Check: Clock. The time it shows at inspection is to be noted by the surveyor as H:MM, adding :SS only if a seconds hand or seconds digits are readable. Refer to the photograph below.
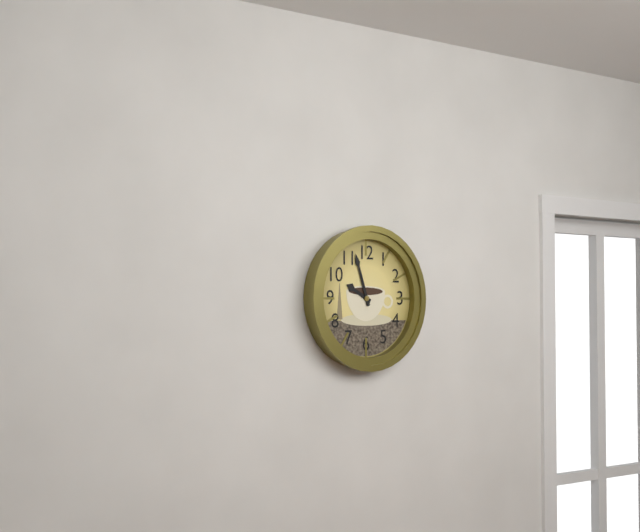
9:57
